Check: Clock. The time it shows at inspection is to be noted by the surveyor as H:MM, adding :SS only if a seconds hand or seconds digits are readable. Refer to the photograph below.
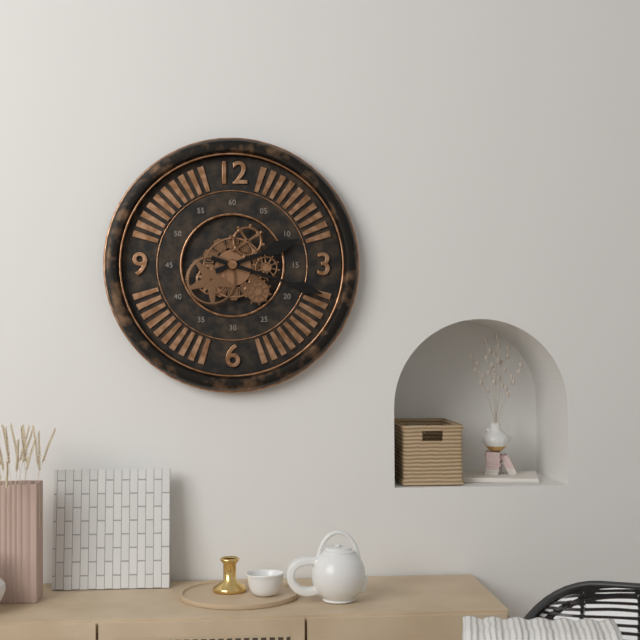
2:18
